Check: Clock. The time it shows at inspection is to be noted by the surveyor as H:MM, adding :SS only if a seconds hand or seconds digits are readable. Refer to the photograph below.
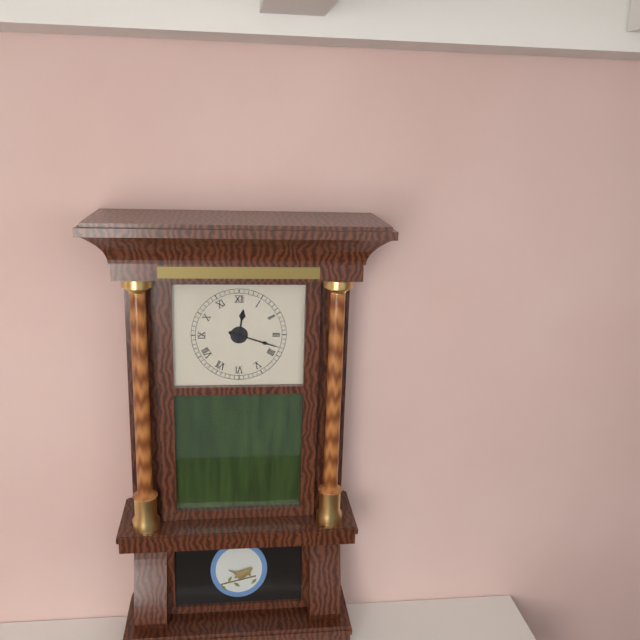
12:18
